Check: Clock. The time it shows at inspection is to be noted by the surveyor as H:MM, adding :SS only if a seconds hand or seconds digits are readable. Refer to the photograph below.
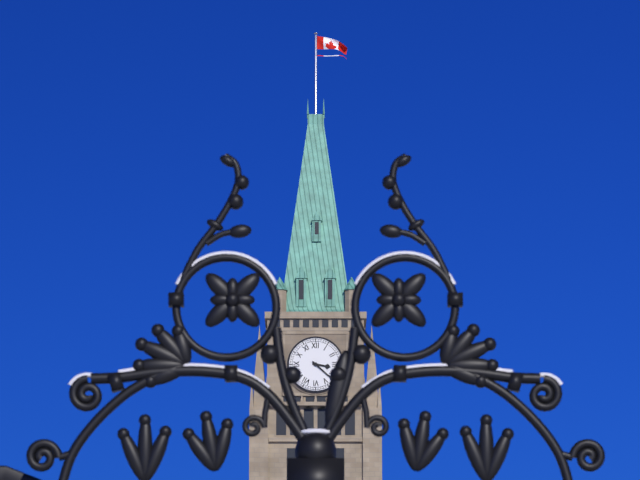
3:22
